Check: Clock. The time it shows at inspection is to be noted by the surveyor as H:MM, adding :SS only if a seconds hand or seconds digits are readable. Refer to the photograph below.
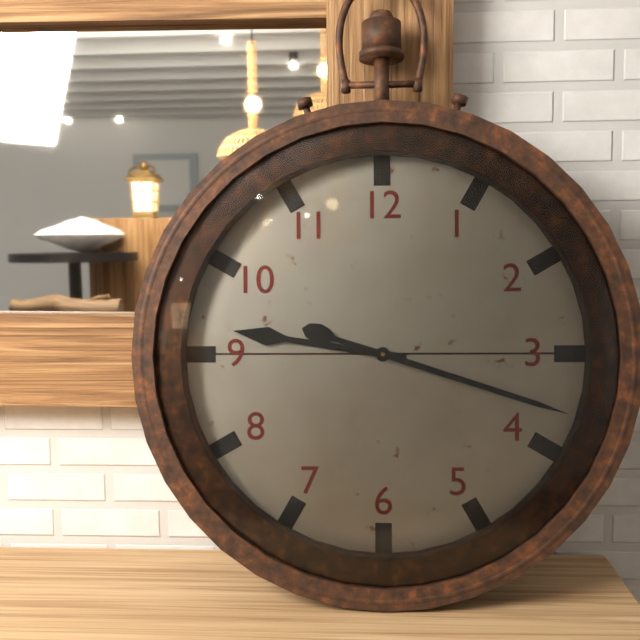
9:18
